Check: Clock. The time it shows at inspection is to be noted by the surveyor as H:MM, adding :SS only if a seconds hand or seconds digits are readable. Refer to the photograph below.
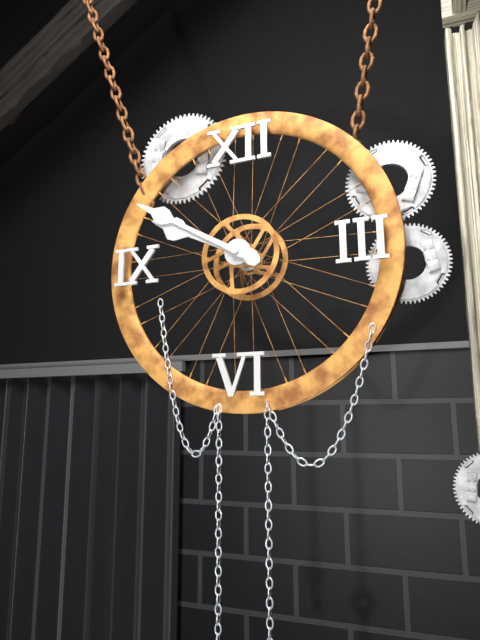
9:50
